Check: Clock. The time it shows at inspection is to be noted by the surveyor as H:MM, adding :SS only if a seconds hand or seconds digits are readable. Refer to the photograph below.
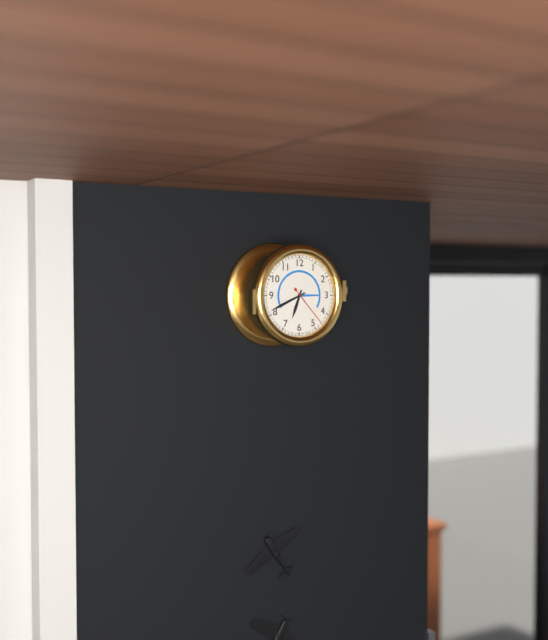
6:41
